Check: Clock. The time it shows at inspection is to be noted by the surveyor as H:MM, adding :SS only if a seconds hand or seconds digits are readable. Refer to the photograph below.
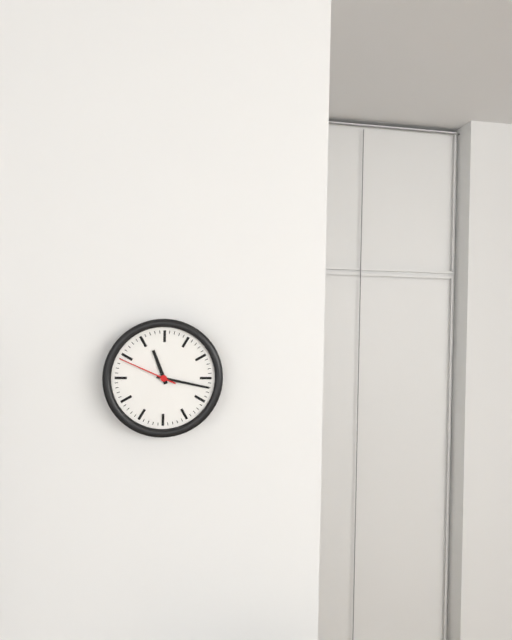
11:17:49
